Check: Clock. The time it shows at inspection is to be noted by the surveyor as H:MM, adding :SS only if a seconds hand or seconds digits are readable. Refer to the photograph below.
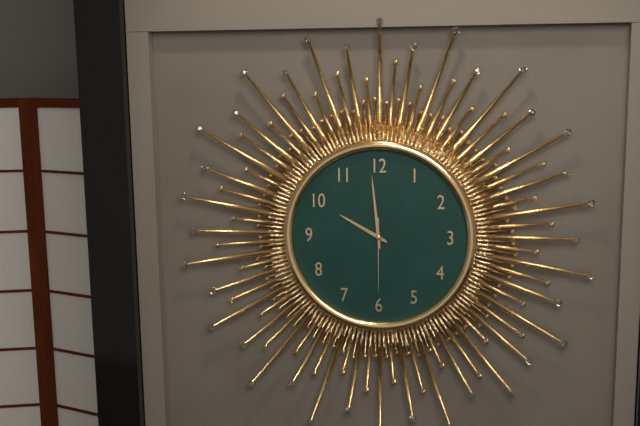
9:59:30
